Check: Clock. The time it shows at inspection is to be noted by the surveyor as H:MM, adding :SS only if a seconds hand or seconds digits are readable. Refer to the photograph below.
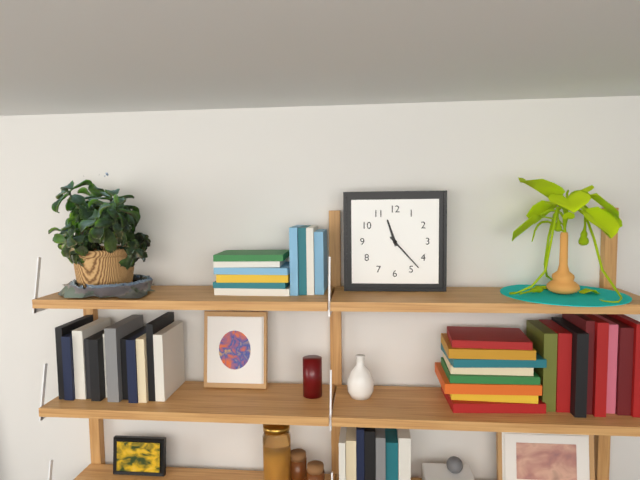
11:23
